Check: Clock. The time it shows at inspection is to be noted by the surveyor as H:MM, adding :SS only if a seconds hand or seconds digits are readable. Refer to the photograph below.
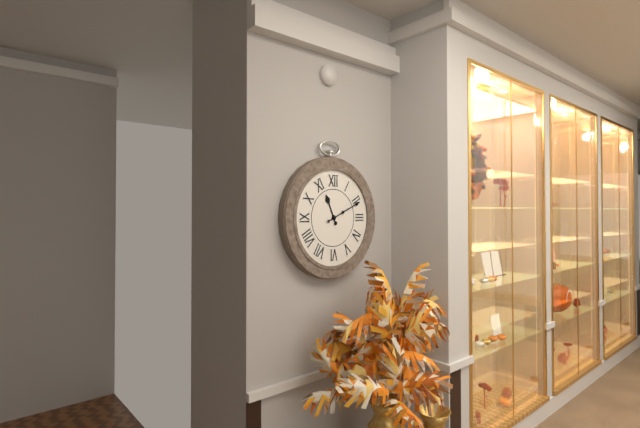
11:11
